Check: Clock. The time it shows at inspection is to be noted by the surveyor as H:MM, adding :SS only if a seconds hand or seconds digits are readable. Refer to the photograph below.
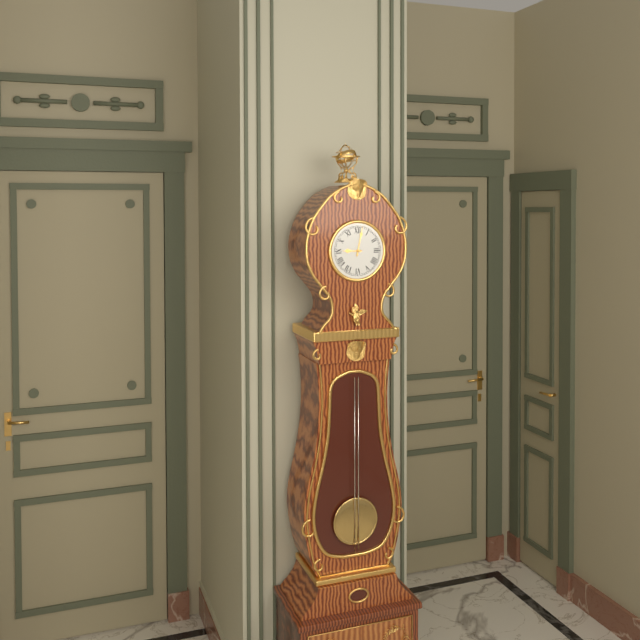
9:02
